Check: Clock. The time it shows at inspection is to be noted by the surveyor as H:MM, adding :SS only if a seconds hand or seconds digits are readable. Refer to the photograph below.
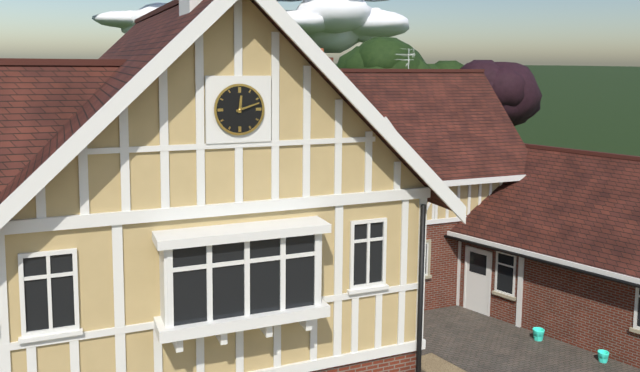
12:12
